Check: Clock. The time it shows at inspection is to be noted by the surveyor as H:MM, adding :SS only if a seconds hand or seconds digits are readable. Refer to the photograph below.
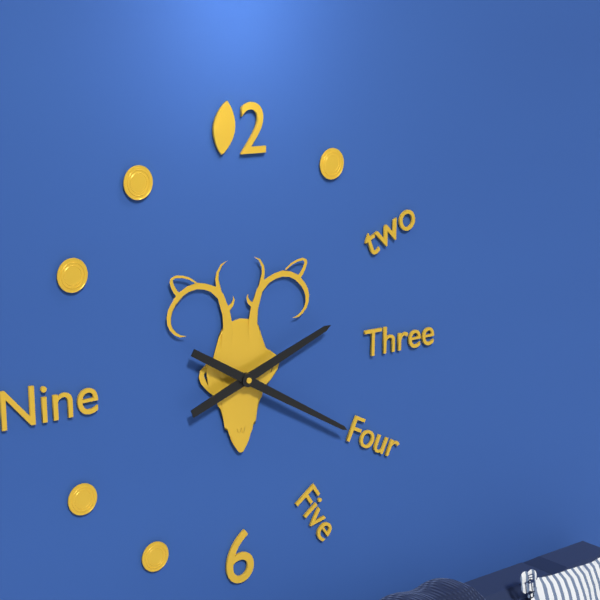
2:20
